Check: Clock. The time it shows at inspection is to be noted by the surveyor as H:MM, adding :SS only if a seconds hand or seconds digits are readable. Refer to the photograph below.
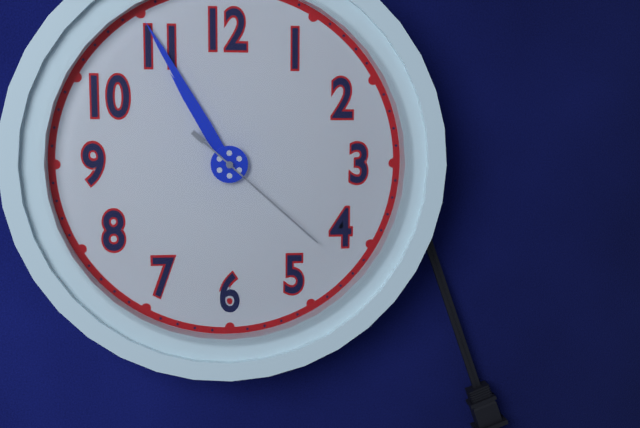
10:55:22
